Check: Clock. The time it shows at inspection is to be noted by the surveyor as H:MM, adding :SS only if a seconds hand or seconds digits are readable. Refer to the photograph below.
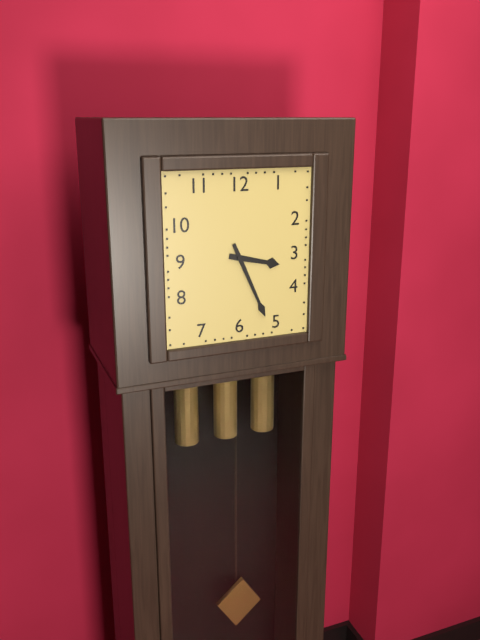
3:26
